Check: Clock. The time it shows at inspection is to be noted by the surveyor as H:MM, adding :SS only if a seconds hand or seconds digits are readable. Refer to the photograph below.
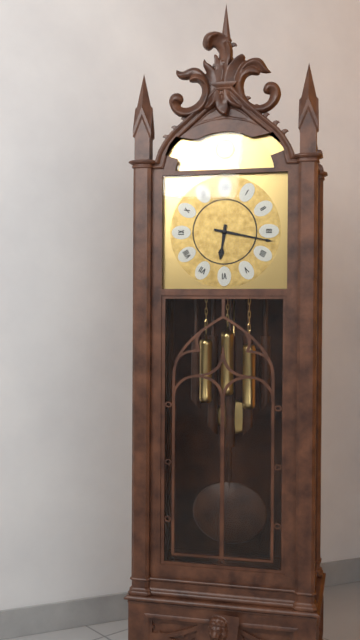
6:17
